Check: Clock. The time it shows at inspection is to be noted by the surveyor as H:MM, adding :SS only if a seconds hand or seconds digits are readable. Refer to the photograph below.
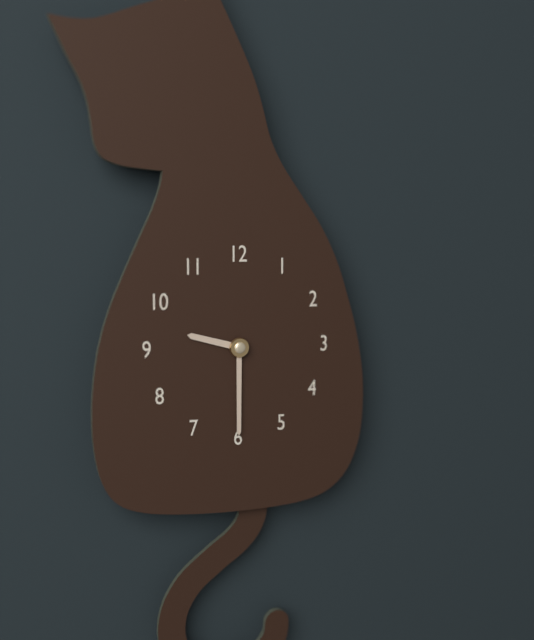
9:30
